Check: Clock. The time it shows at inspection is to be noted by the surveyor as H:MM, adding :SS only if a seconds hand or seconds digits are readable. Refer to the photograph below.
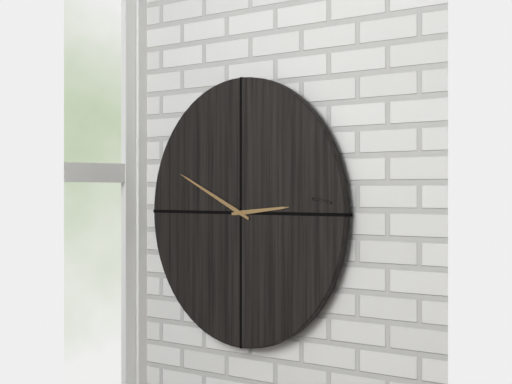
2:49
